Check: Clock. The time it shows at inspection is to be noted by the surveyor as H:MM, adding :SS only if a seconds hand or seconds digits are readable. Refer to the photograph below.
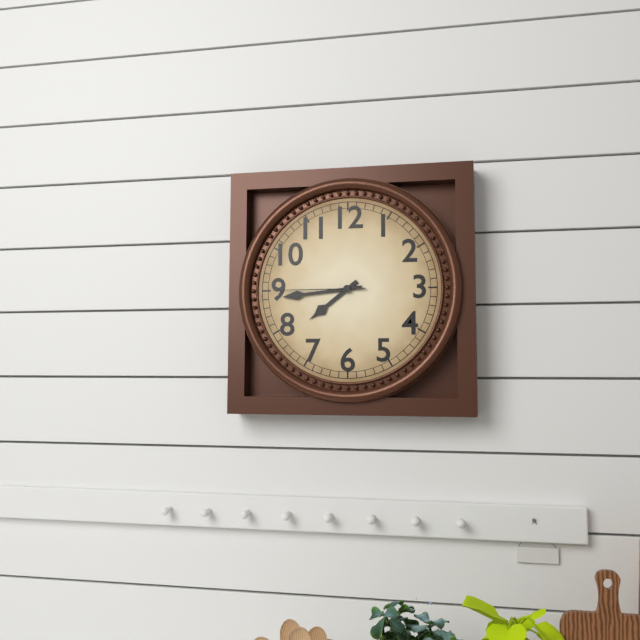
7:44:45
